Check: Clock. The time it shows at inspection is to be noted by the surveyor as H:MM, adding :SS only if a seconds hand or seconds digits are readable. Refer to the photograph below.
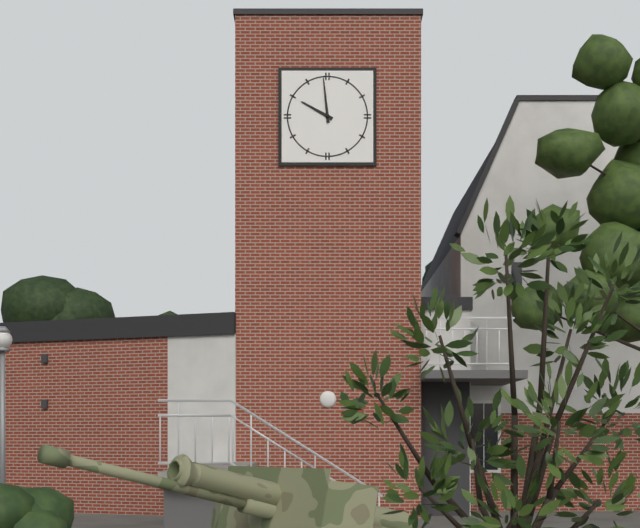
9:59
